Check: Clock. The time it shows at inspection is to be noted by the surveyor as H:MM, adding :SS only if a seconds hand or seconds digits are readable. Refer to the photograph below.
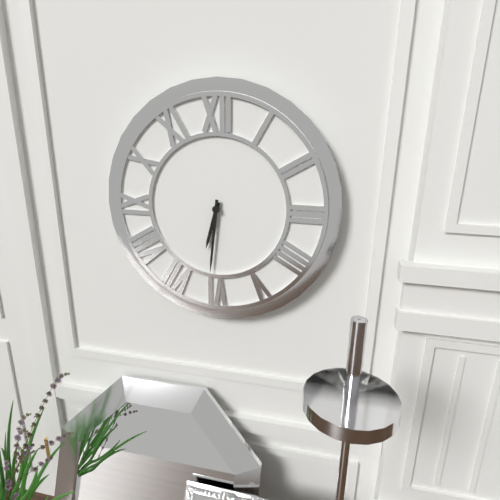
6:31
